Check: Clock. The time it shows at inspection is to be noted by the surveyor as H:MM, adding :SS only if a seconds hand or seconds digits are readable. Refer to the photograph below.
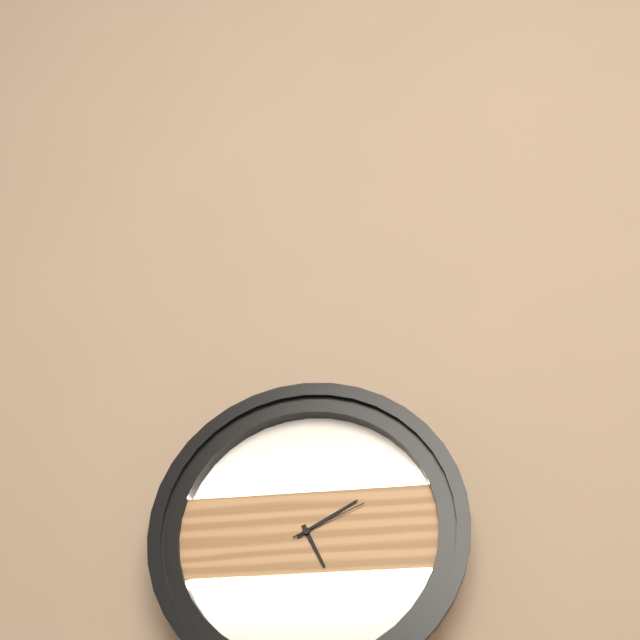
5:10:11
